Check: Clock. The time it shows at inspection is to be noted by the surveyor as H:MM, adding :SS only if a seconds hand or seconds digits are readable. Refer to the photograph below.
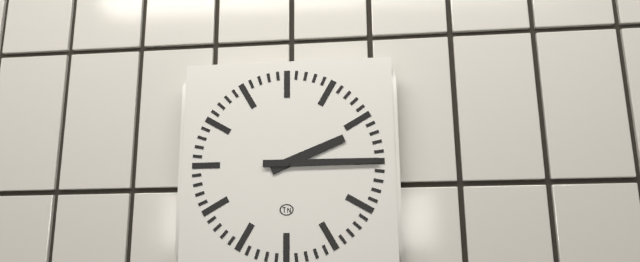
2:15
